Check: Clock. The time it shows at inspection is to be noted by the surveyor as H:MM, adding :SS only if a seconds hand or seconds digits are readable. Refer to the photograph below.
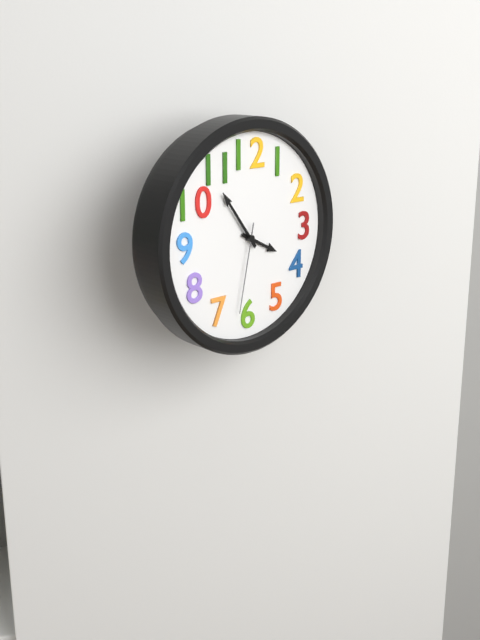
3:54:32
